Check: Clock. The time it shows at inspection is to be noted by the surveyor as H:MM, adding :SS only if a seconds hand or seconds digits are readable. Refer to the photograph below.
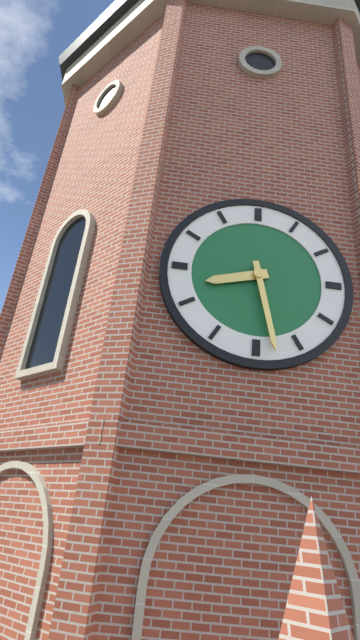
8:28
